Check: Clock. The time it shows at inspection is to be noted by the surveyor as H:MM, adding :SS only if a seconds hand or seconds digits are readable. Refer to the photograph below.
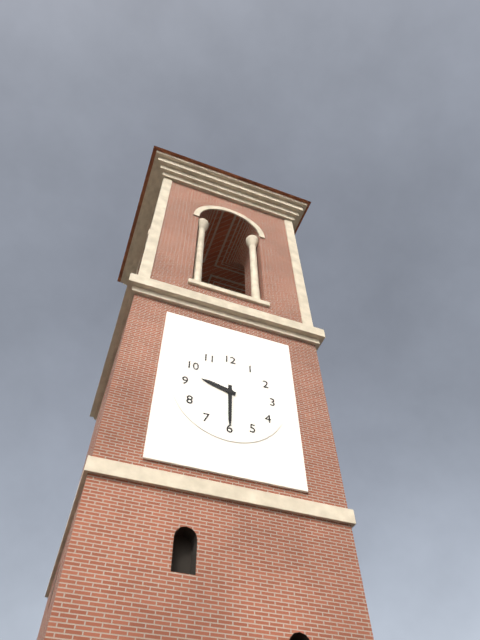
9:30
